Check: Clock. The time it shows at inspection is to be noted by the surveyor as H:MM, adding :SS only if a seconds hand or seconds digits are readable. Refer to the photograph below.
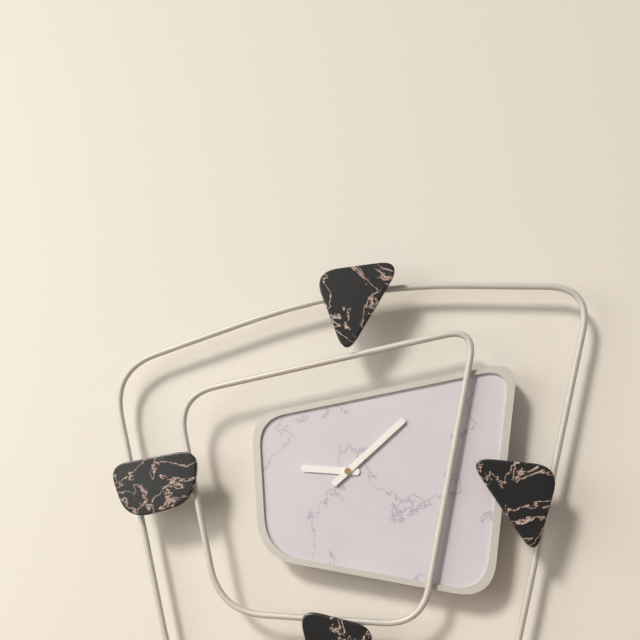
9:08
